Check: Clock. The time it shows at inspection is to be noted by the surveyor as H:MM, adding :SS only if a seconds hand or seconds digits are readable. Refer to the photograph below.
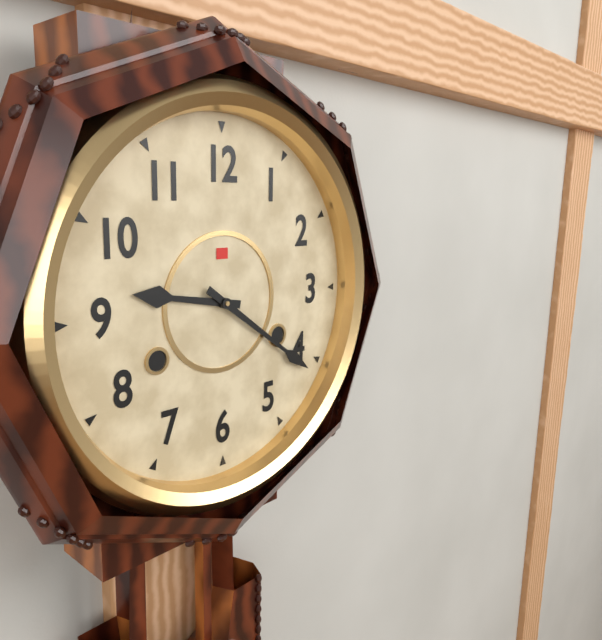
9:21
